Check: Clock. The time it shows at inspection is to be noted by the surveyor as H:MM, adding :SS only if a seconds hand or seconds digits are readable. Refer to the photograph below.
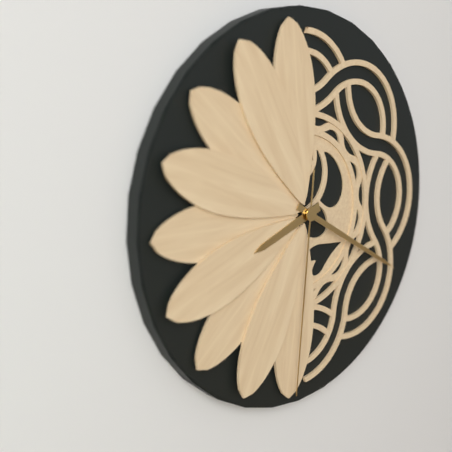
8:20:31
